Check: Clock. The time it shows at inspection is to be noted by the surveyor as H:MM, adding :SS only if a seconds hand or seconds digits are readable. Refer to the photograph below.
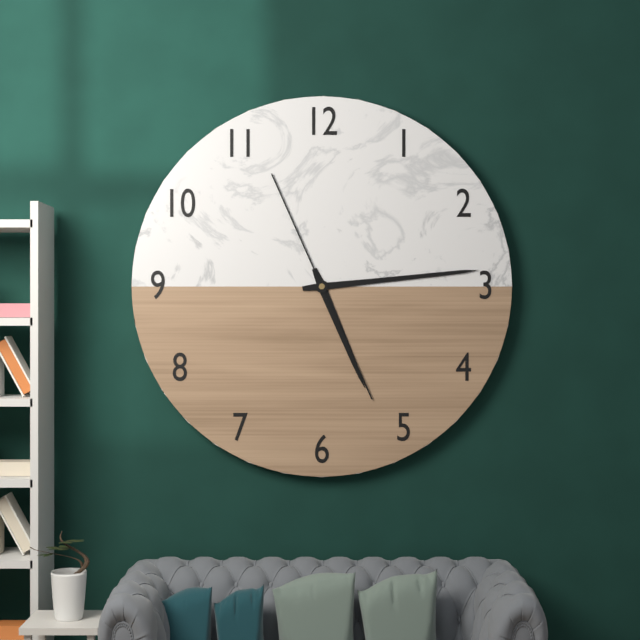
5:14
